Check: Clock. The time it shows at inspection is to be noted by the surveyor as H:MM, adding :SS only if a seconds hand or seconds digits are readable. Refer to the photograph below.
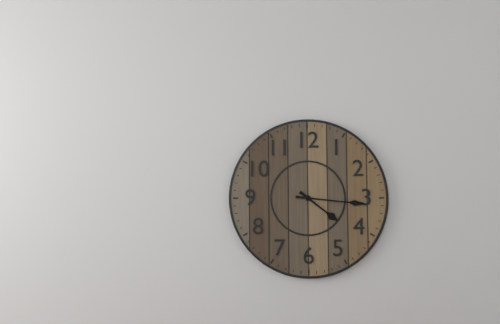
4:16
